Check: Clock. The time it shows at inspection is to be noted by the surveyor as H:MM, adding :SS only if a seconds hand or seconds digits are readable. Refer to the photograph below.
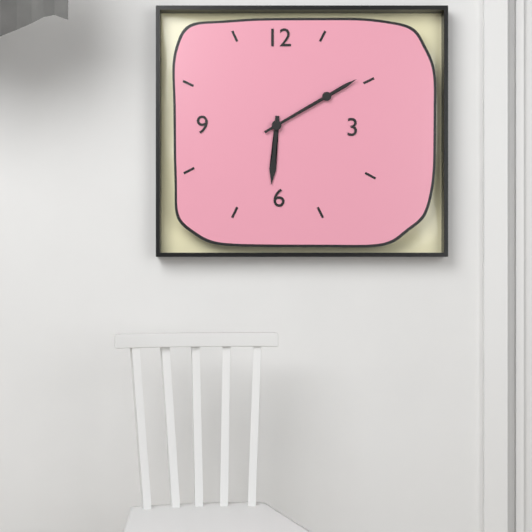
6:10
